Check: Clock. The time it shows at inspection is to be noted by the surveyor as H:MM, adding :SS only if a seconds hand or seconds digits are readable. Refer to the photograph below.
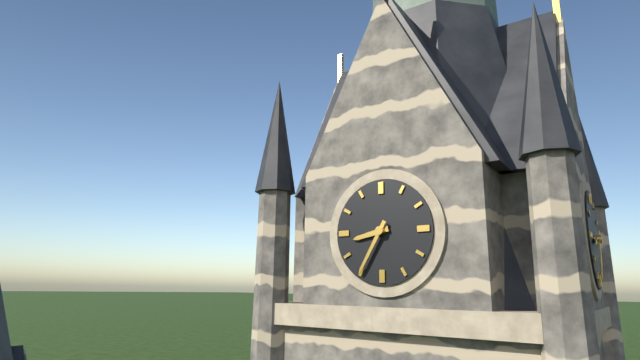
8:35
